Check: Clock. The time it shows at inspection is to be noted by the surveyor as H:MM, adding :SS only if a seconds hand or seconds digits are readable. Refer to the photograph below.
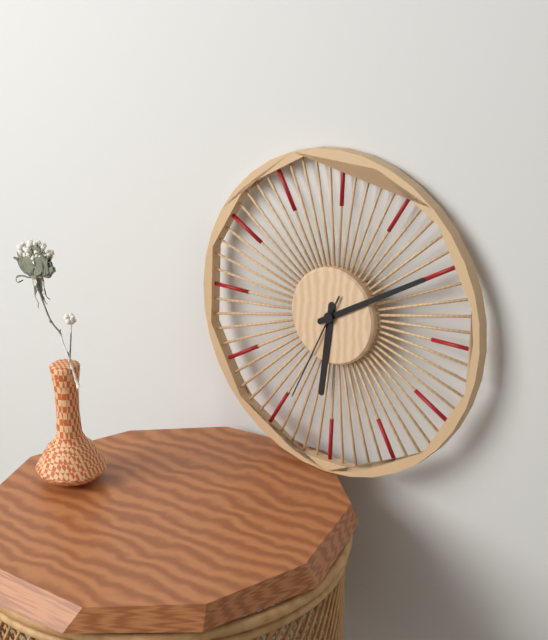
6:10:34
